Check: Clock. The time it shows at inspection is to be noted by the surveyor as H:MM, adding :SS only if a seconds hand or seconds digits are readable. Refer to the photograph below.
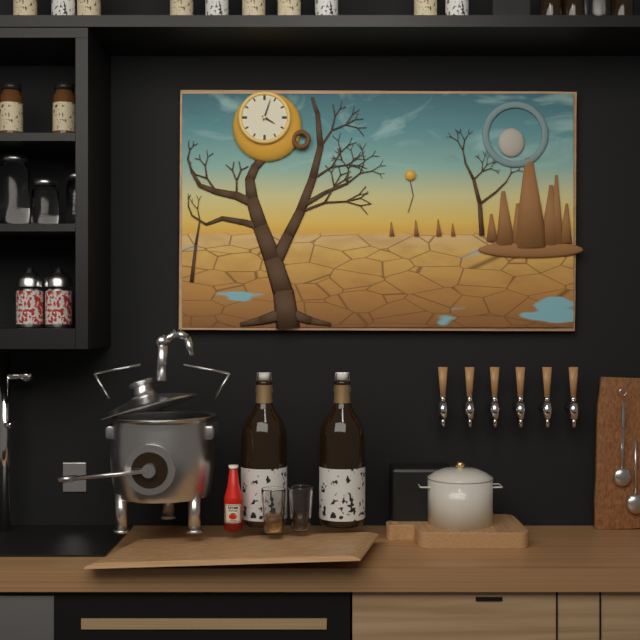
4:03
